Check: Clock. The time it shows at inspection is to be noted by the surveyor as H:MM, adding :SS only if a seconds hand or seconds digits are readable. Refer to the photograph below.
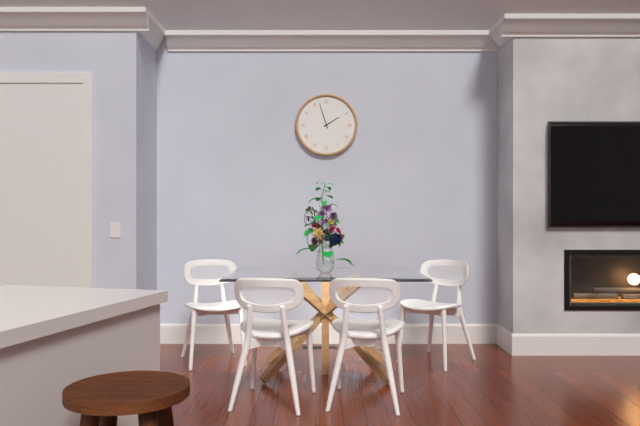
1:57
